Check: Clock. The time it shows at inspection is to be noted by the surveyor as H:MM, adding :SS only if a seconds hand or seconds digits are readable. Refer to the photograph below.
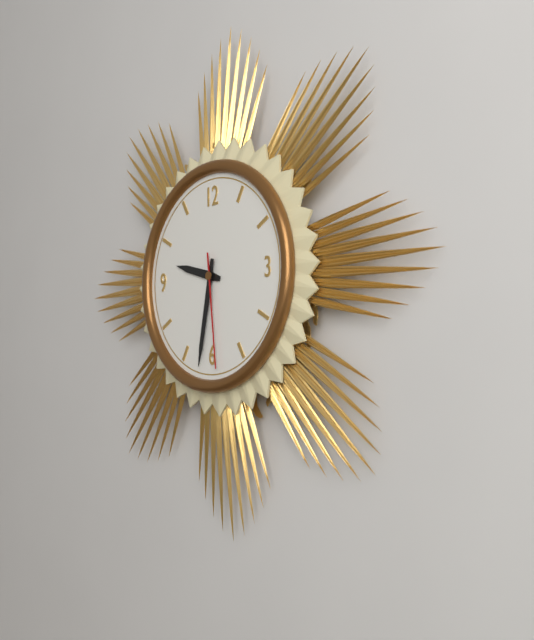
9:32:29
